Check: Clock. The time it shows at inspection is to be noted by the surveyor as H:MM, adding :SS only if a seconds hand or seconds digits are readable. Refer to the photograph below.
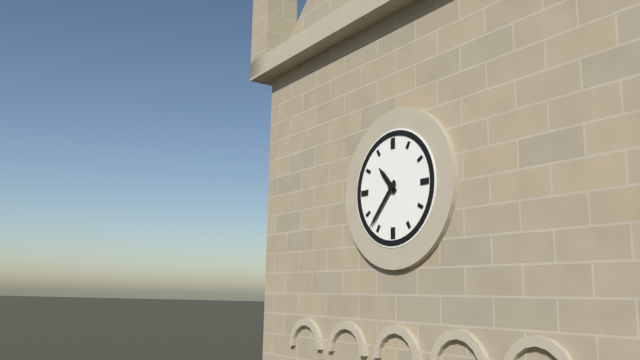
10:37
